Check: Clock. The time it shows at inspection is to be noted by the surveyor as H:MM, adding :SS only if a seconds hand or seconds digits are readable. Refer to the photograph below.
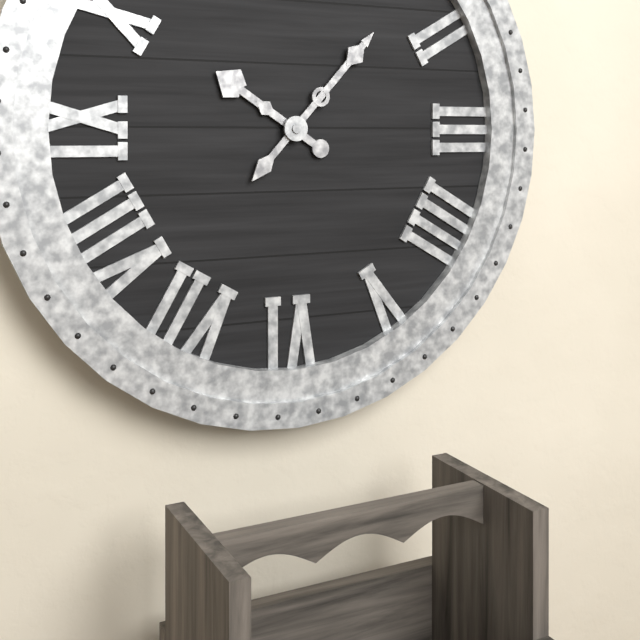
10:07
